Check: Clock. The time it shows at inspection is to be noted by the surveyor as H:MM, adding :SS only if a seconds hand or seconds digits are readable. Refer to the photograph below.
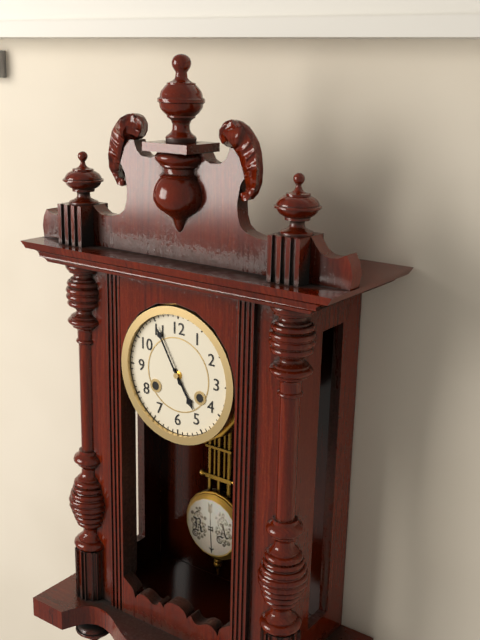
4:55
